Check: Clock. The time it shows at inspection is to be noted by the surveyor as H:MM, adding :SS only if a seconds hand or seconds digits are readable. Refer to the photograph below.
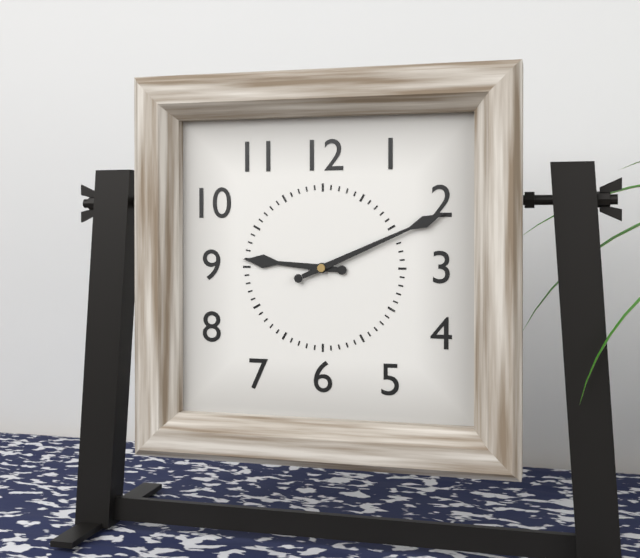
9:11
